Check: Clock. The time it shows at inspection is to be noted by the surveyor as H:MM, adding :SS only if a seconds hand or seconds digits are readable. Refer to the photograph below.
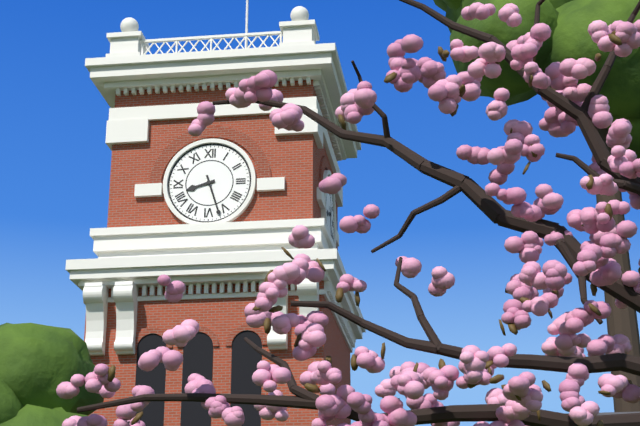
8:27
